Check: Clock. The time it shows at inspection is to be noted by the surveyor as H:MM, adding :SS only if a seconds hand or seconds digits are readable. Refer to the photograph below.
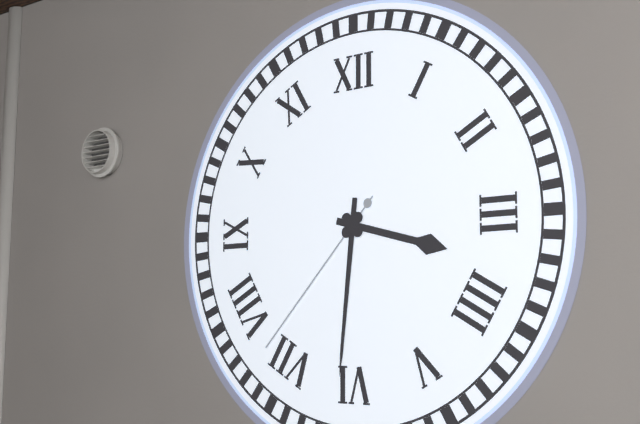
3:31:37
